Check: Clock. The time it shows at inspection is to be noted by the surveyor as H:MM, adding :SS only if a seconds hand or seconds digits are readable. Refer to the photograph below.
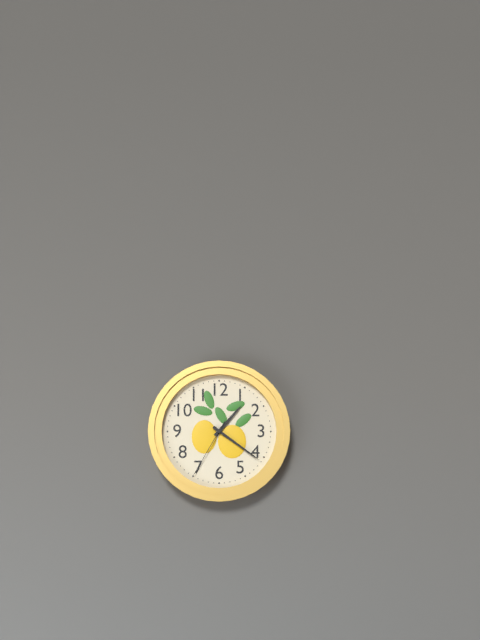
1:21:35
